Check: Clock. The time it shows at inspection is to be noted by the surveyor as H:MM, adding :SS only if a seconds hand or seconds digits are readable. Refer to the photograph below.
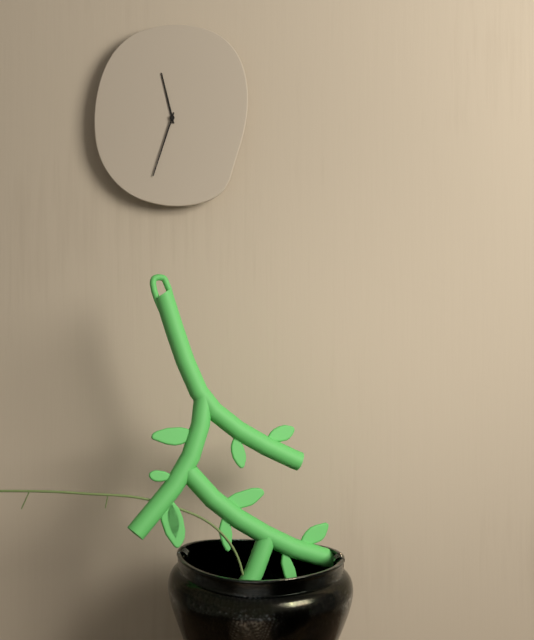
11:33
